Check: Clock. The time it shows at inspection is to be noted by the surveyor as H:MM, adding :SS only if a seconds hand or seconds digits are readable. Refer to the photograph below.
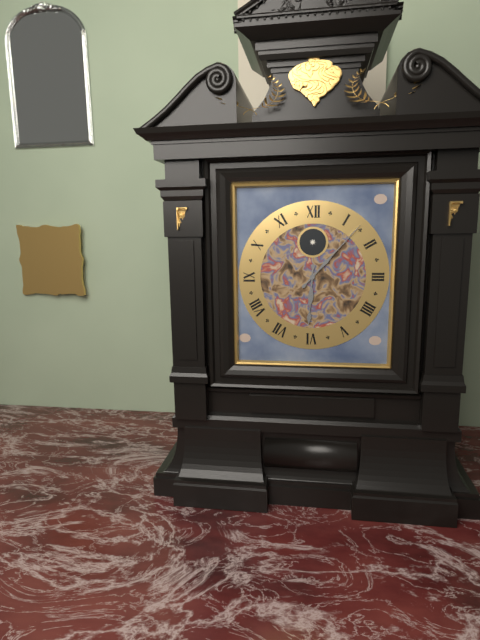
6:07
